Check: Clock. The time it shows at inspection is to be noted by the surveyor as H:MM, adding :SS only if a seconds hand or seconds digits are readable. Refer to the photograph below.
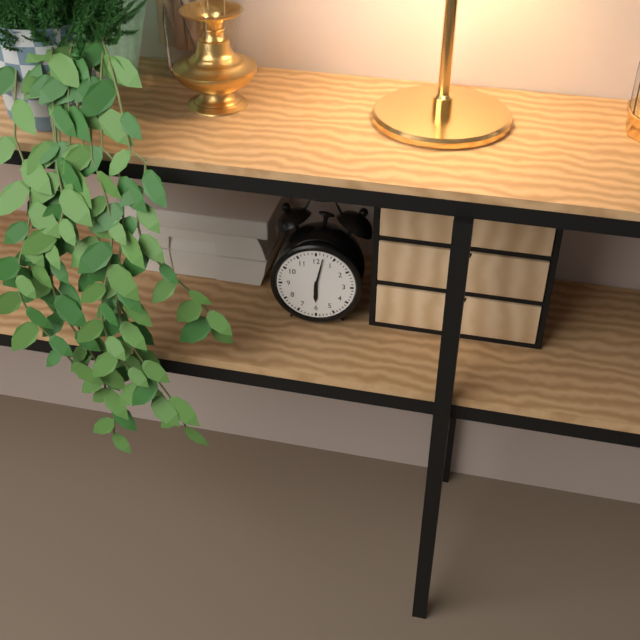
6:02
